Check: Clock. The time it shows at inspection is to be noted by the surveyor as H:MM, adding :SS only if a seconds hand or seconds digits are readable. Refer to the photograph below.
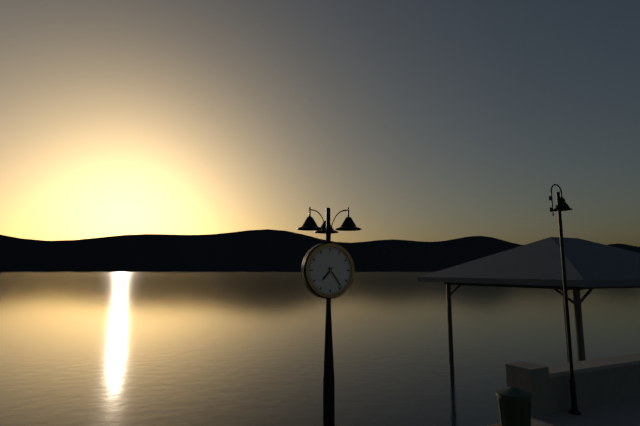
7:24
